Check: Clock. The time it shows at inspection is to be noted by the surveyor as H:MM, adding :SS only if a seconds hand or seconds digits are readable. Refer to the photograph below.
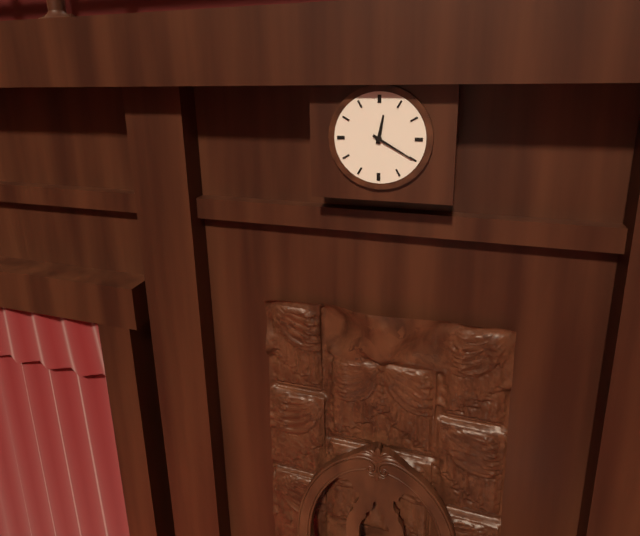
12:20
